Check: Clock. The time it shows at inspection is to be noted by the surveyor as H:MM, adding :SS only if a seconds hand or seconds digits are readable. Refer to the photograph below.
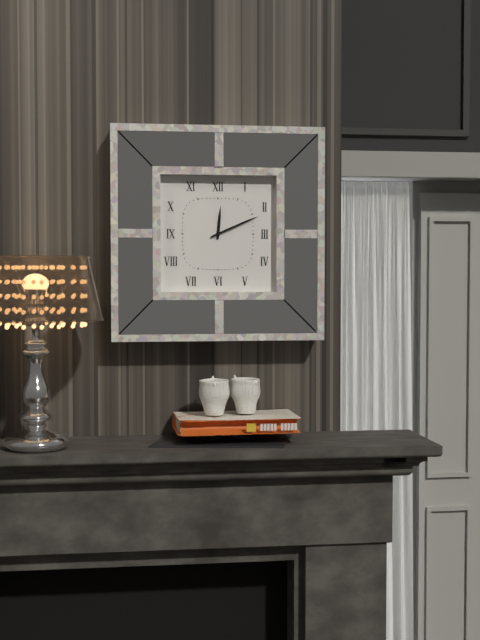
12:11
